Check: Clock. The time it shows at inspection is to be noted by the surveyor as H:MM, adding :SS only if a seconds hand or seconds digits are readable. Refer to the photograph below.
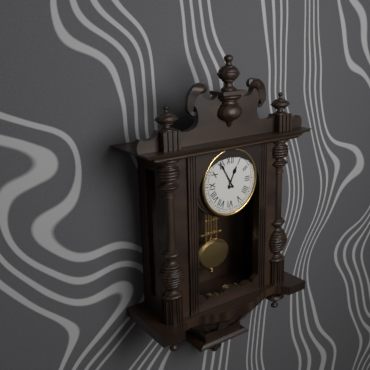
12:55
